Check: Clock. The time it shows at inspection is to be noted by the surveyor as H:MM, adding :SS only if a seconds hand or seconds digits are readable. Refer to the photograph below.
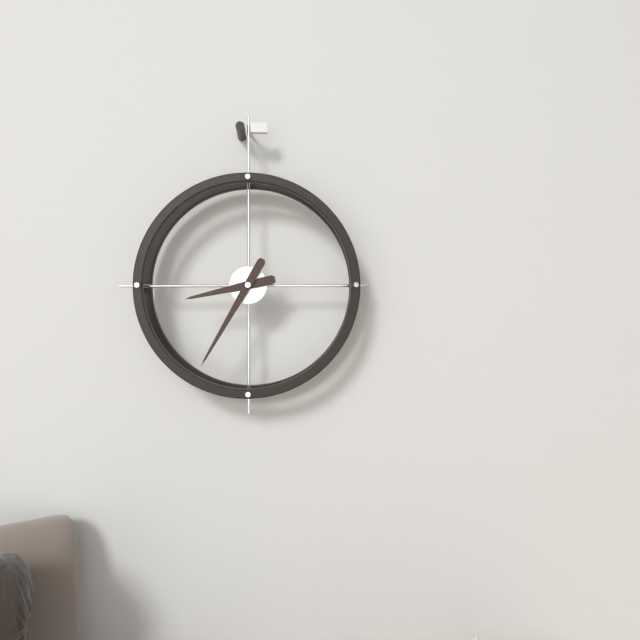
8:35
